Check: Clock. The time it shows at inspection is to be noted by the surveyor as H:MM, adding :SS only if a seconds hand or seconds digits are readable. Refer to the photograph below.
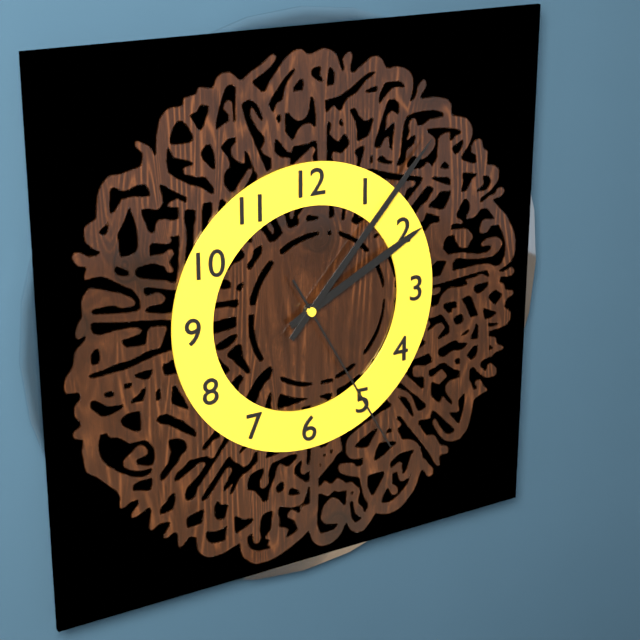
2:07:25
